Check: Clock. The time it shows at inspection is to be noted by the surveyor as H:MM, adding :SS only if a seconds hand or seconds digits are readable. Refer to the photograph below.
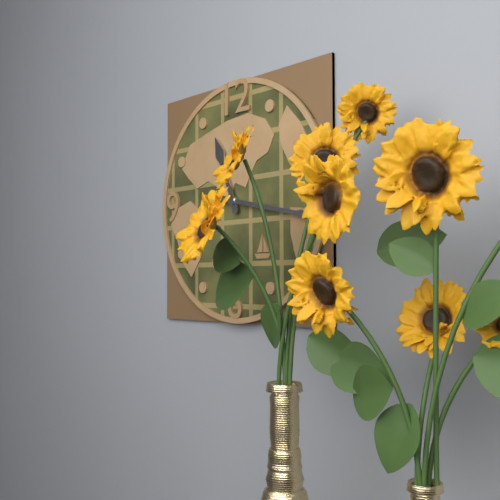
11:17
